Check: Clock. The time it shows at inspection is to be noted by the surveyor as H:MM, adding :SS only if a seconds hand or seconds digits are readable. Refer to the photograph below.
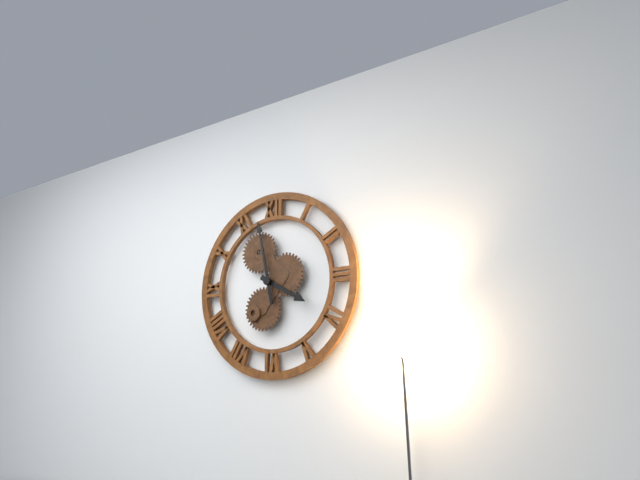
3:58
